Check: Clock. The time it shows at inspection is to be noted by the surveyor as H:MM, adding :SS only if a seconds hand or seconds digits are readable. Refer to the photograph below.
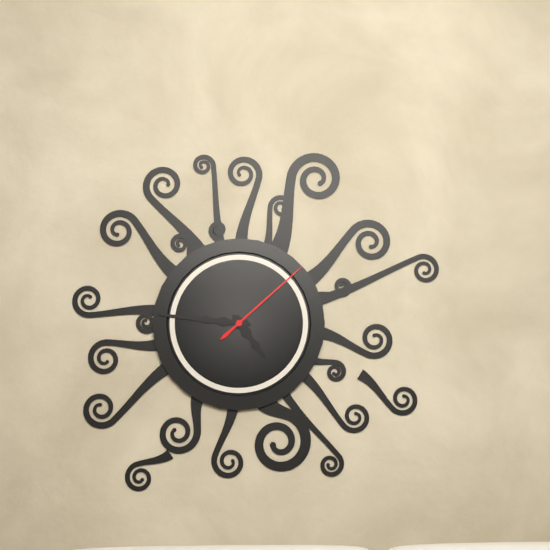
4:46:08
